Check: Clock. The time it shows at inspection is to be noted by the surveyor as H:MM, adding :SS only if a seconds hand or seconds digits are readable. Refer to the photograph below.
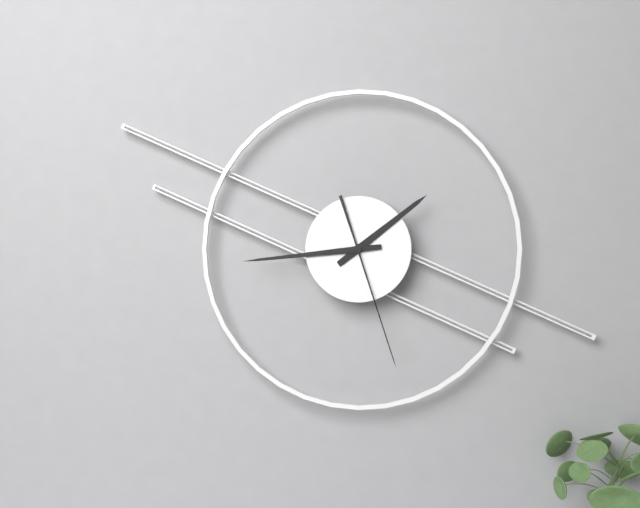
1:44:27
